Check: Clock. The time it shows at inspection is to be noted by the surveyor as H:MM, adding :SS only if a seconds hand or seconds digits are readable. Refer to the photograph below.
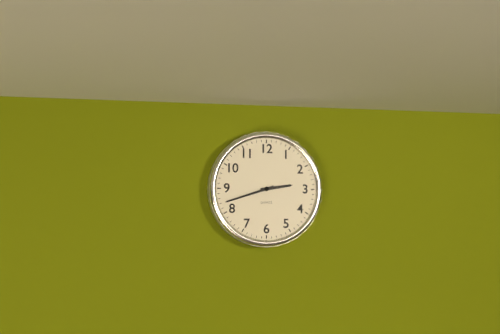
2:42
